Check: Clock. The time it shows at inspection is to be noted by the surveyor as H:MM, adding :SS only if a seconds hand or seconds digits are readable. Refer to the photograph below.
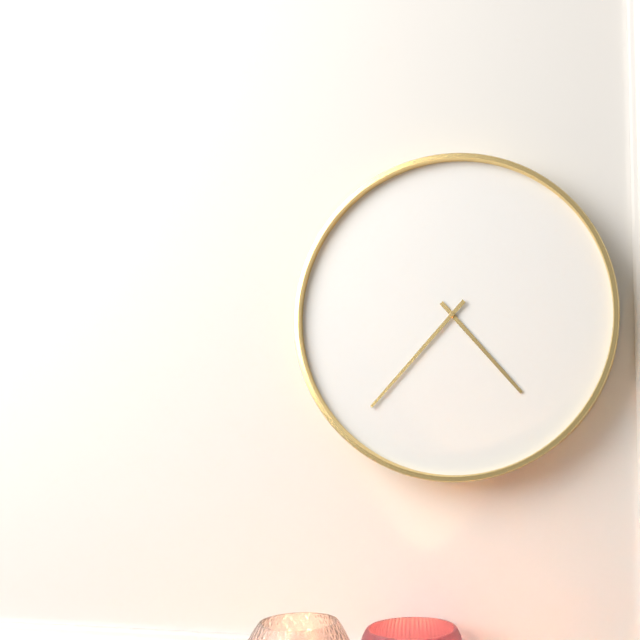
4:37
